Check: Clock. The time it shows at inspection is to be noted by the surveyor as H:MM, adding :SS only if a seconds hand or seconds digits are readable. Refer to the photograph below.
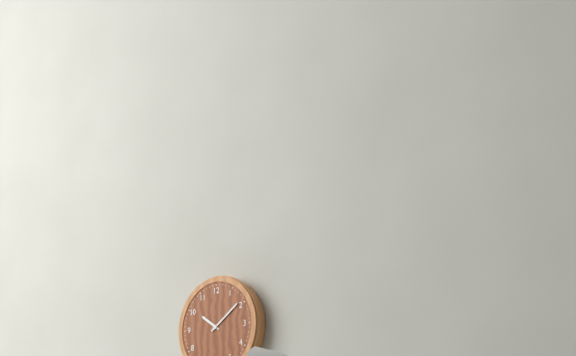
10:09
